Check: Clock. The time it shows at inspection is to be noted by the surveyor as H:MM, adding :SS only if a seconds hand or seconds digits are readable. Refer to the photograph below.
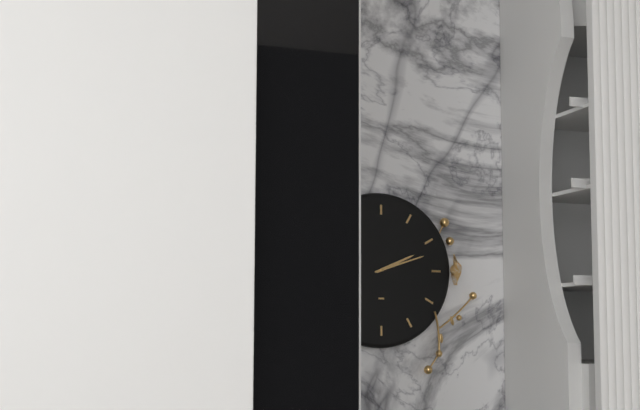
2:12
